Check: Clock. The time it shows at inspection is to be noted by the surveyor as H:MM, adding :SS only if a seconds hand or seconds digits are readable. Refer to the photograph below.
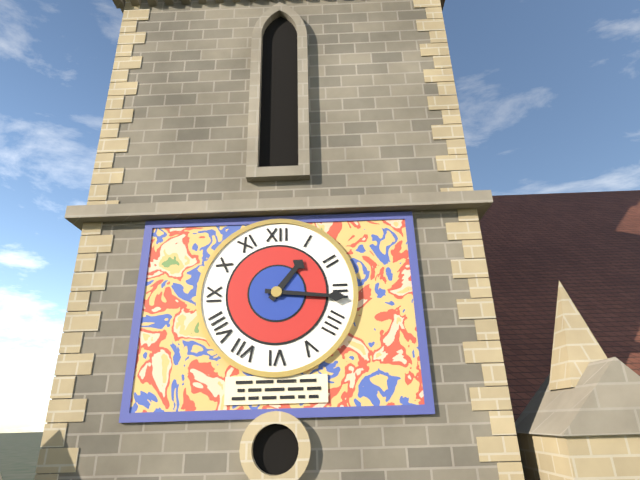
1:16
